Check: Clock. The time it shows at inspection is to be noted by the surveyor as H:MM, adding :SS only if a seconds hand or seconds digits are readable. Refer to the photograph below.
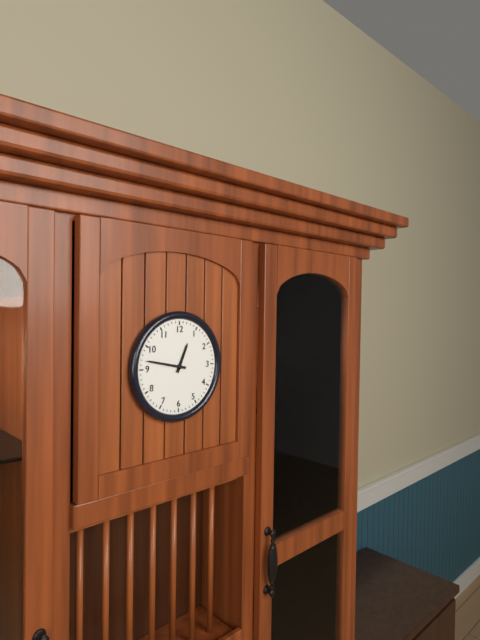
12:47
